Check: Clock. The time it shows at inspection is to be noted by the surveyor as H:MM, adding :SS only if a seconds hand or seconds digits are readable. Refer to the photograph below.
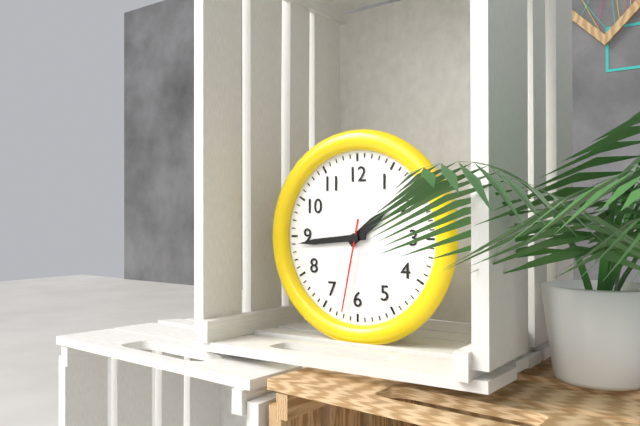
1:44:32
